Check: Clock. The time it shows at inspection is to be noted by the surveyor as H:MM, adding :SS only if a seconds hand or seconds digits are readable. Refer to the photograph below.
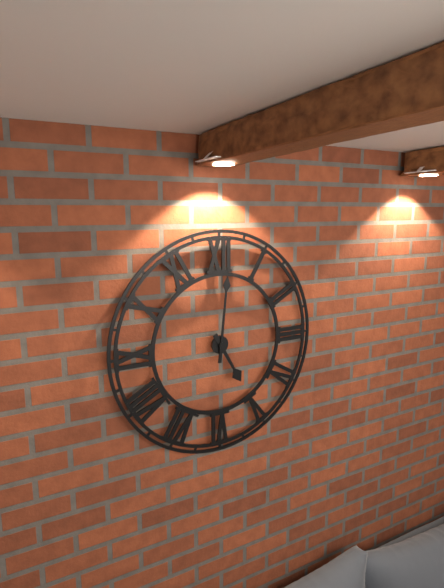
5:01
